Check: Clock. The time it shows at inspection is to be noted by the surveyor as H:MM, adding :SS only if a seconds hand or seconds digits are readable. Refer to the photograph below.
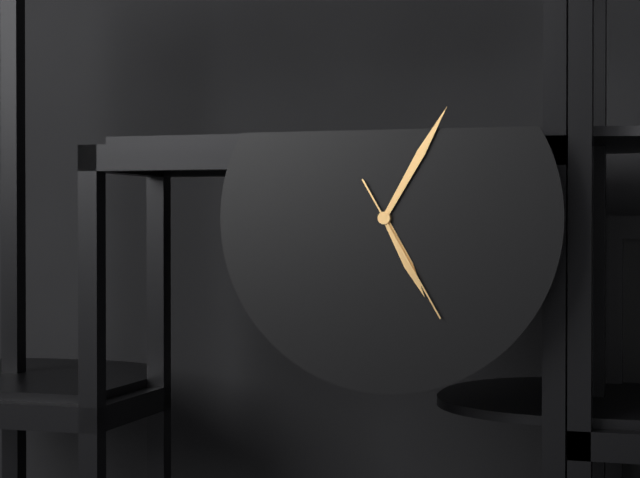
5:05:25
